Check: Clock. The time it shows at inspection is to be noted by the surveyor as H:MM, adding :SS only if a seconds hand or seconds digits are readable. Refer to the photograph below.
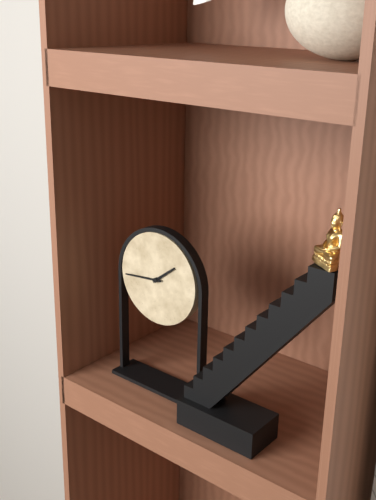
1:44
